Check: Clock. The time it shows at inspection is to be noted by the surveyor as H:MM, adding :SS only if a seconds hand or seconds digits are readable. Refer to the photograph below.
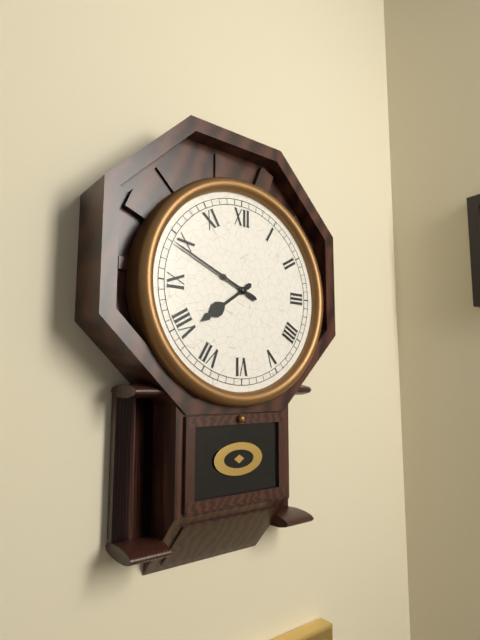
7:49
